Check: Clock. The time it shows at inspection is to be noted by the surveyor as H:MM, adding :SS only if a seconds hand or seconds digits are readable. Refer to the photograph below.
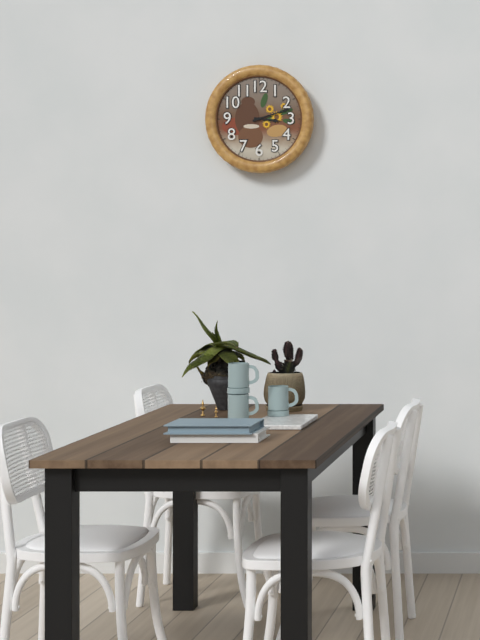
3:12
